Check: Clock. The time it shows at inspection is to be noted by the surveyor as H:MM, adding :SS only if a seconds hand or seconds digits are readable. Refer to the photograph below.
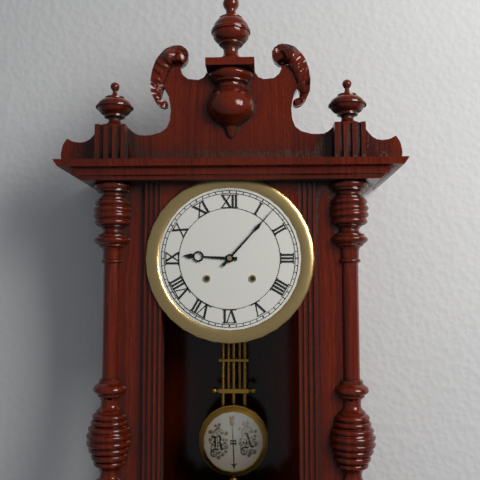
9:07
